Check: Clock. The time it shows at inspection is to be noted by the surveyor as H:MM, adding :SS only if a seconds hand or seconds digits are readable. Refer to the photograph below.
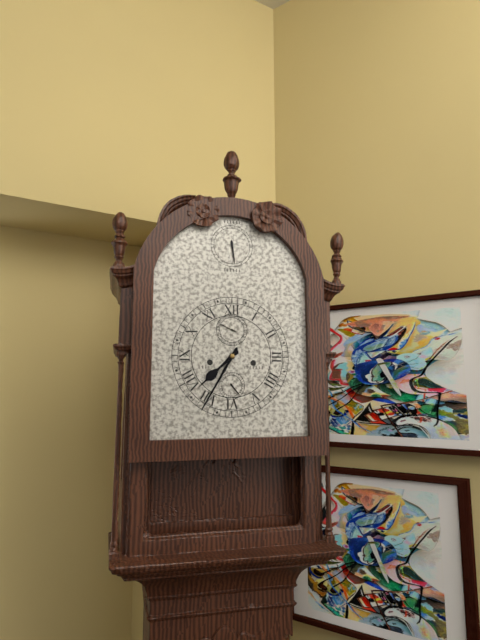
7:35
